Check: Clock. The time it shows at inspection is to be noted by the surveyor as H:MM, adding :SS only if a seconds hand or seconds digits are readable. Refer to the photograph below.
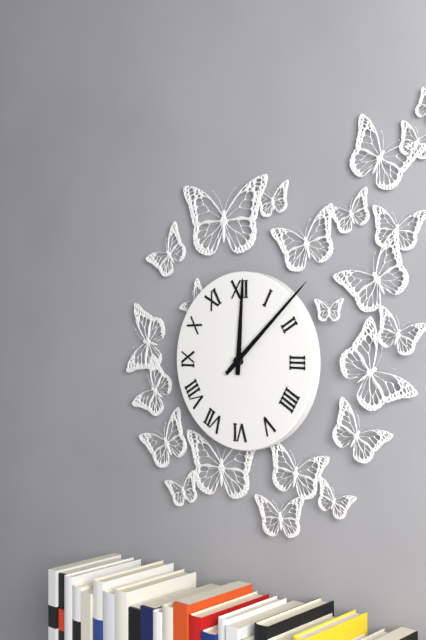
12:08
